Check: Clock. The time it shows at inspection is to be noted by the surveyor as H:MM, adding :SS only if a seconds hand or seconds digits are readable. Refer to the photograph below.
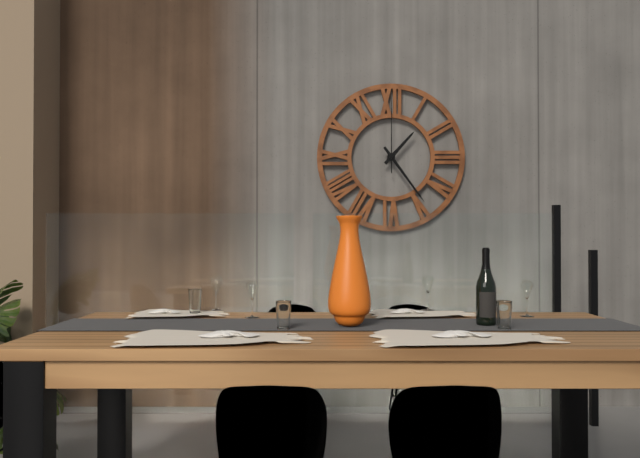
1:24:00
